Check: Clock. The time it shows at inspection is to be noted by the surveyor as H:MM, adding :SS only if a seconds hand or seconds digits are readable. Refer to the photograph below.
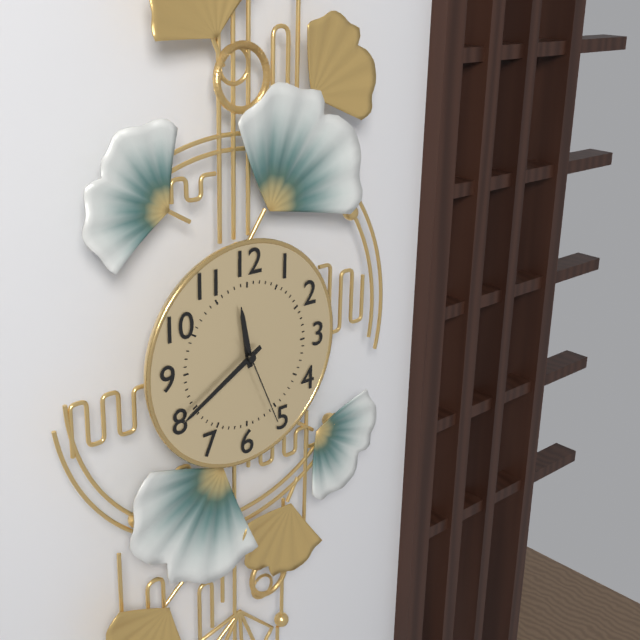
11:40:26
